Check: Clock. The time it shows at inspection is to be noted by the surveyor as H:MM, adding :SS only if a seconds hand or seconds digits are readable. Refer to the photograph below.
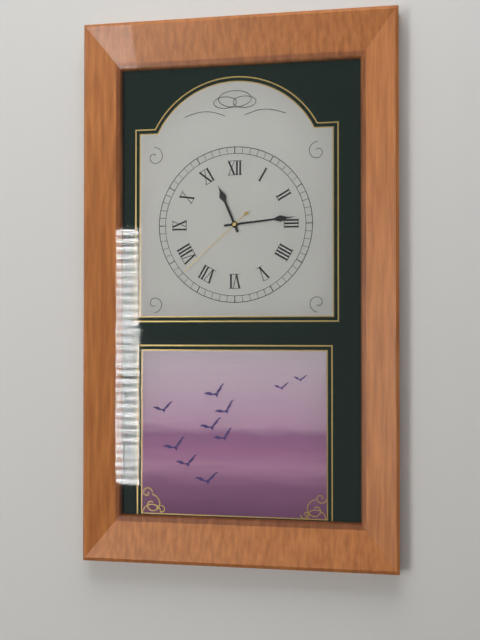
11:14:38
